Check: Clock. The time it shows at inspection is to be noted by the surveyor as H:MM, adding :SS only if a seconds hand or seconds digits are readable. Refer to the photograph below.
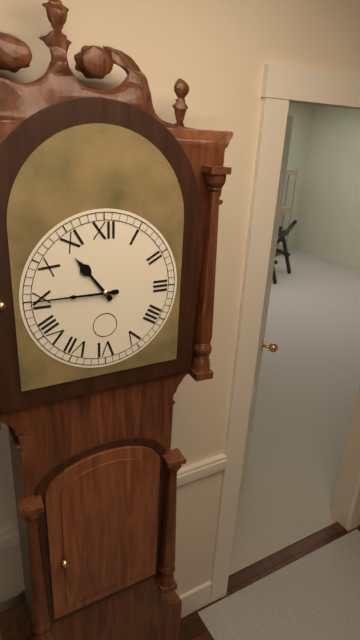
10:45
